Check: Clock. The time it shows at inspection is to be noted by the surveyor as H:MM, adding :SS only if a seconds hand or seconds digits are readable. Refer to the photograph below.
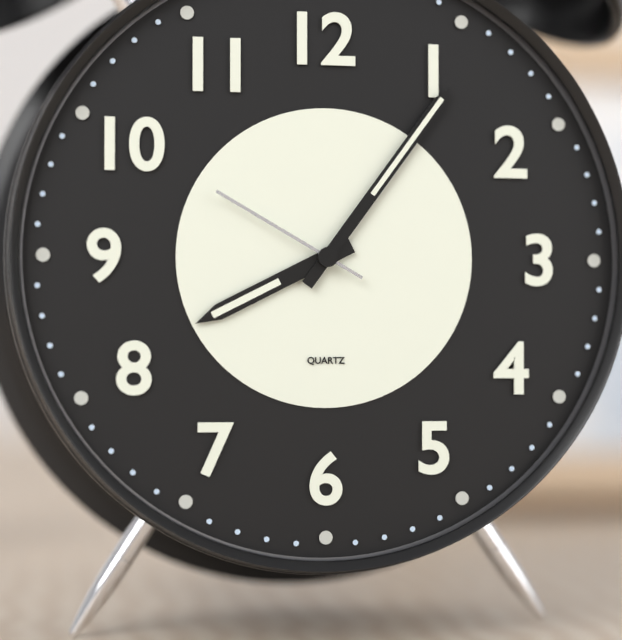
8:06:50
